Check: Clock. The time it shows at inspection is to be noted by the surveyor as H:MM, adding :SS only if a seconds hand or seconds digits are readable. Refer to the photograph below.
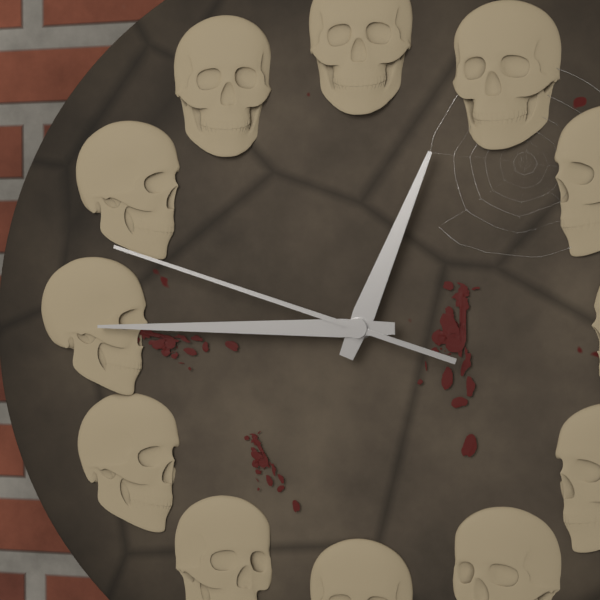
12:45:48
